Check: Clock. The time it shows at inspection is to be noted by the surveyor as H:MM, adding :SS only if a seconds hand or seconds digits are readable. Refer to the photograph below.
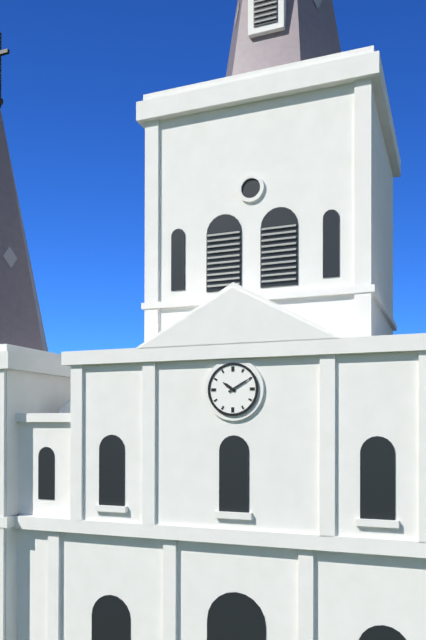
10:10
